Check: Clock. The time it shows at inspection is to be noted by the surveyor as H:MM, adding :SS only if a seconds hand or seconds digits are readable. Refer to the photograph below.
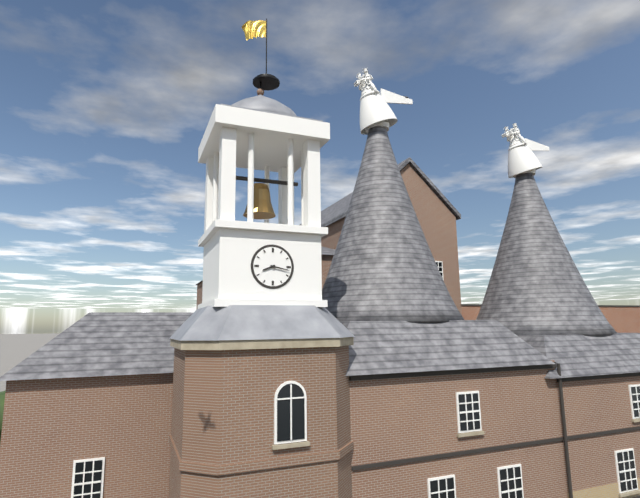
8:17
